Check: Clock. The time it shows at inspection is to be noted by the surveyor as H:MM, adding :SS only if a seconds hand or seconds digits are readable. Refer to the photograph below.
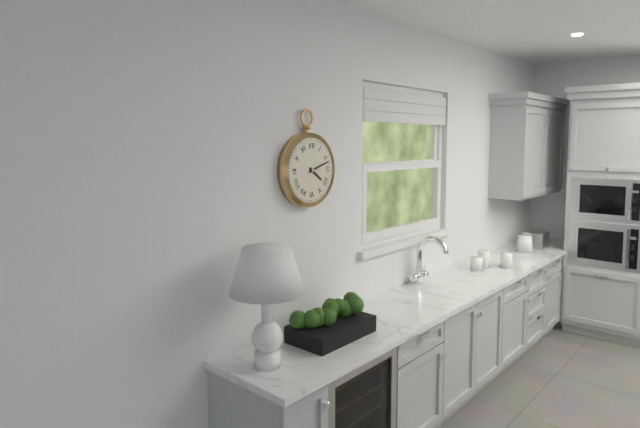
4:12
